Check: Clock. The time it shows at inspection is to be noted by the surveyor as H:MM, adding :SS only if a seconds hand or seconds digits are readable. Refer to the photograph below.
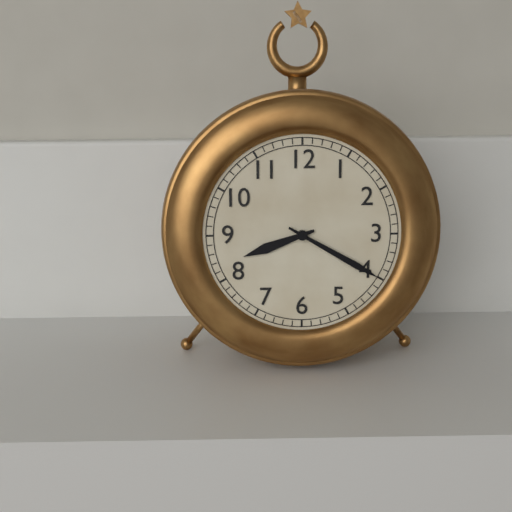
8:20
